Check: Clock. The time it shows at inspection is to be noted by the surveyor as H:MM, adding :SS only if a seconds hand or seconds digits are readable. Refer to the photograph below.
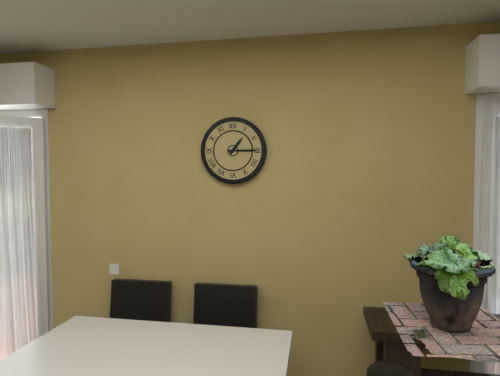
1:15
